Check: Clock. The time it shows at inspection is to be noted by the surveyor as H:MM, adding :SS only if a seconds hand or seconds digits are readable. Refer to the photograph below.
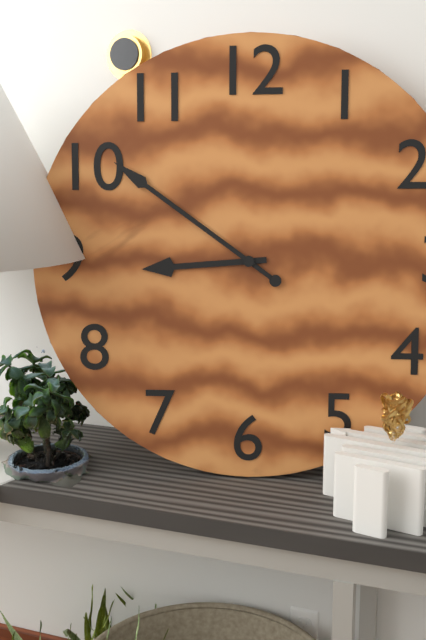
8:51
